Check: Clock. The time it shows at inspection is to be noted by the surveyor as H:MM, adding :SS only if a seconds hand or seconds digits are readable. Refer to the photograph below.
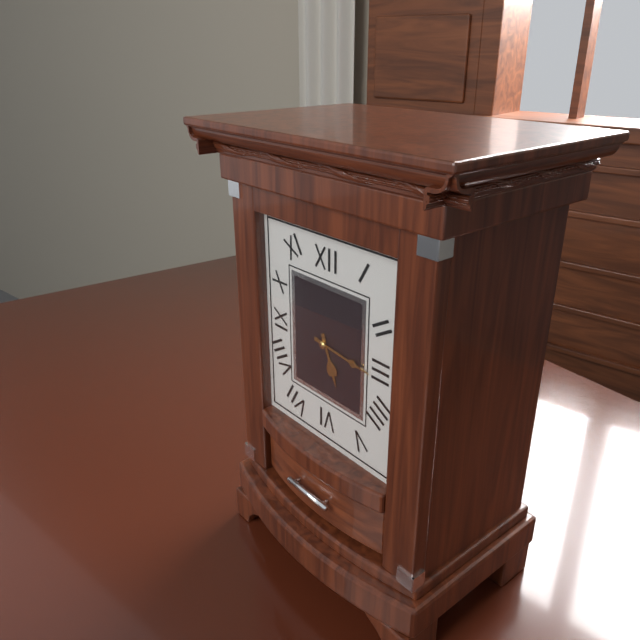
5:16
